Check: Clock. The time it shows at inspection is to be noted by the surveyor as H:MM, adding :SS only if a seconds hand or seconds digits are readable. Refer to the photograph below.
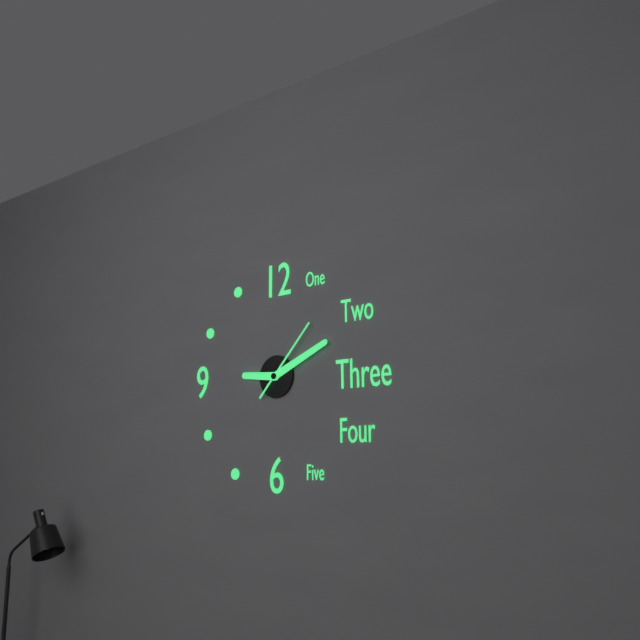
9:11:07
